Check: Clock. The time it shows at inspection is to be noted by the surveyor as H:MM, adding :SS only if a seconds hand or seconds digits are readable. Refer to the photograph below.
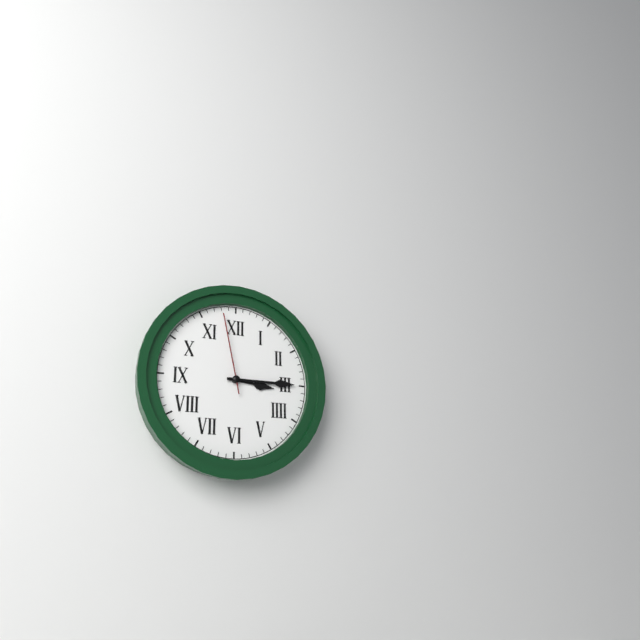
3:15:58
